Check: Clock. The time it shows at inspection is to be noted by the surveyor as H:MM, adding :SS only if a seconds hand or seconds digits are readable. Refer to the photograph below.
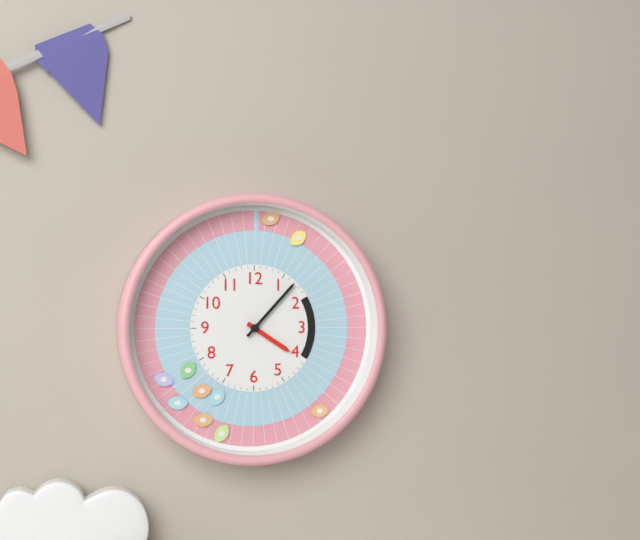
4:07
